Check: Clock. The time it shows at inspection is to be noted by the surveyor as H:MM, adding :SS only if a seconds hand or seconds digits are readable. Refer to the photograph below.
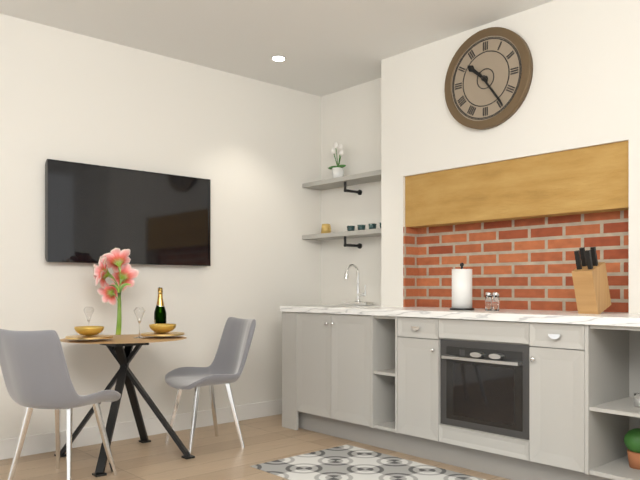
10:24
